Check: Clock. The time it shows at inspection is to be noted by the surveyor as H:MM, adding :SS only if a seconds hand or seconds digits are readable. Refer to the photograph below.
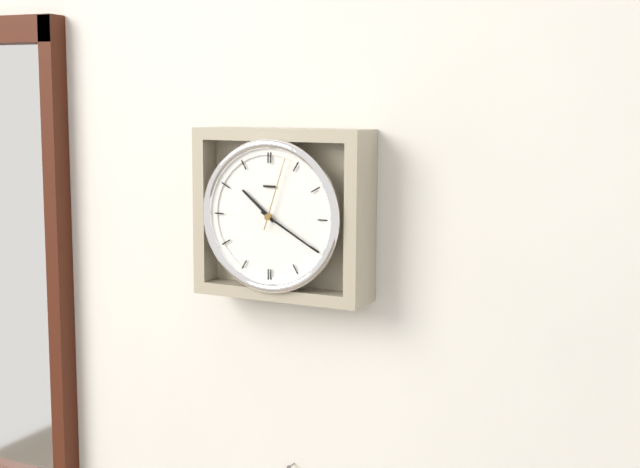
10:20:03
